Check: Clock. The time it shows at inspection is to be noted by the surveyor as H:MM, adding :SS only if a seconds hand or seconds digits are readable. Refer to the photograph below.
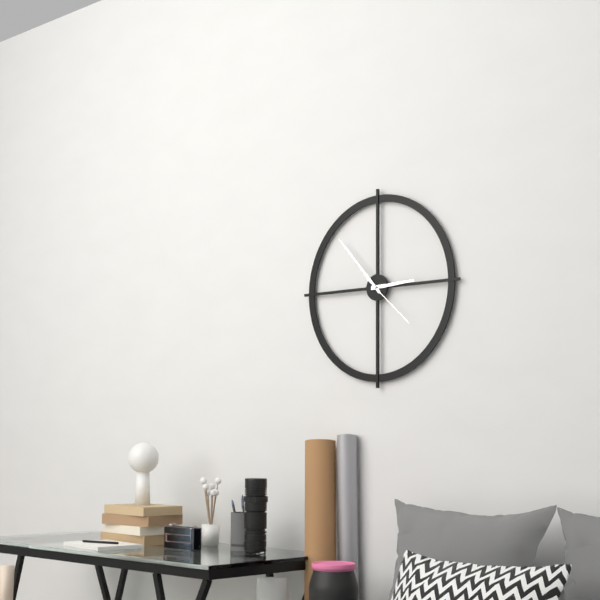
2:53:22
